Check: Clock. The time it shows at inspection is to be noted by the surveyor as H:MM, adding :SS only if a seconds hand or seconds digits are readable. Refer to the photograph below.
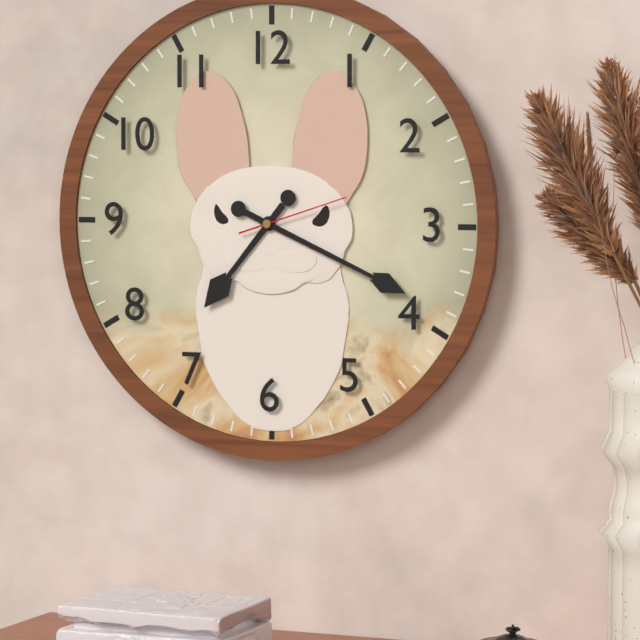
7:19:12
